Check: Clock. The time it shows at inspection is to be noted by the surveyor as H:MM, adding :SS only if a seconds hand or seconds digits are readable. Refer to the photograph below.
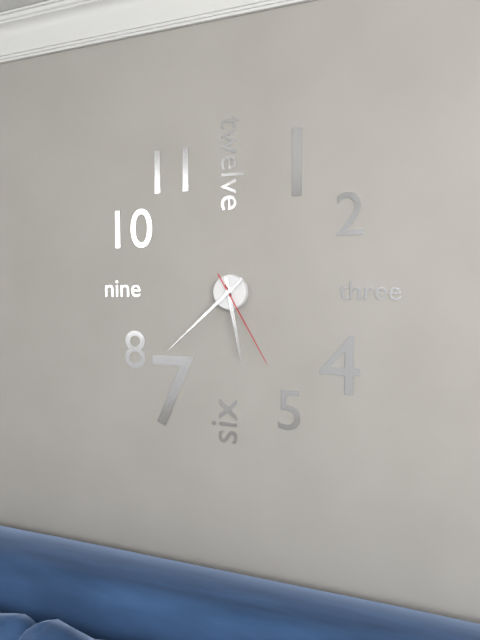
5:38:25
